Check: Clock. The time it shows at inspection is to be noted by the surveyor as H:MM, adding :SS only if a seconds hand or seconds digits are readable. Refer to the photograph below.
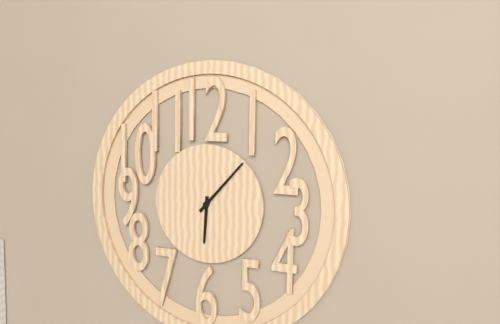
6:07
